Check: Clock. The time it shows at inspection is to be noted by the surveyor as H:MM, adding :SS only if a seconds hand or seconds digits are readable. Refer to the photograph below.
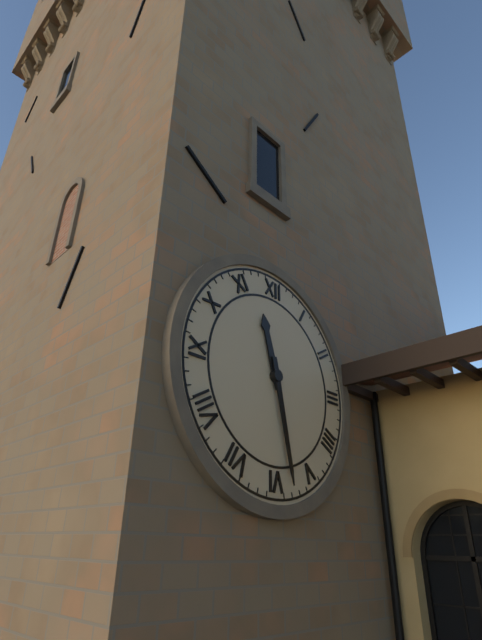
11:28
